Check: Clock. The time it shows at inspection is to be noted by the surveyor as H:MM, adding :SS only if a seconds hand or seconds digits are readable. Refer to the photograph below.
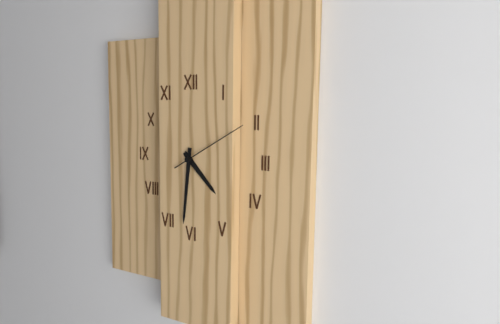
4:31:10
